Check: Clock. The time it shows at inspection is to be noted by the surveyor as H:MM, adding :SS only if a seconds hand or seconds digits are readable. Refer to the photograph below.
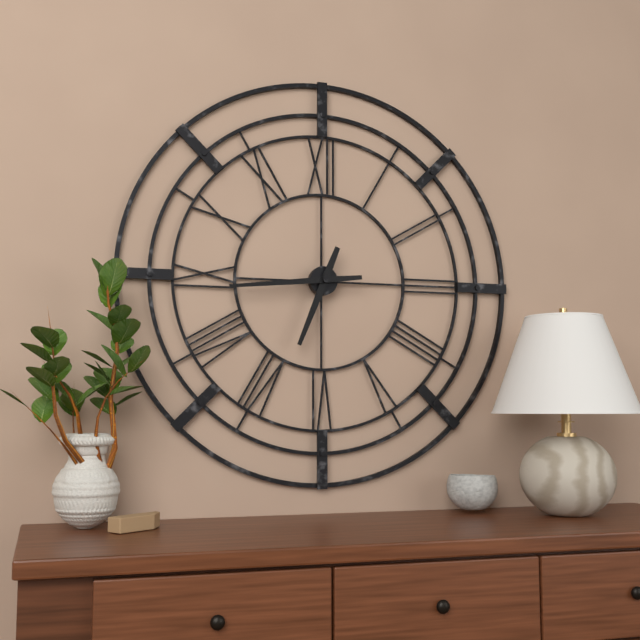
6:44
